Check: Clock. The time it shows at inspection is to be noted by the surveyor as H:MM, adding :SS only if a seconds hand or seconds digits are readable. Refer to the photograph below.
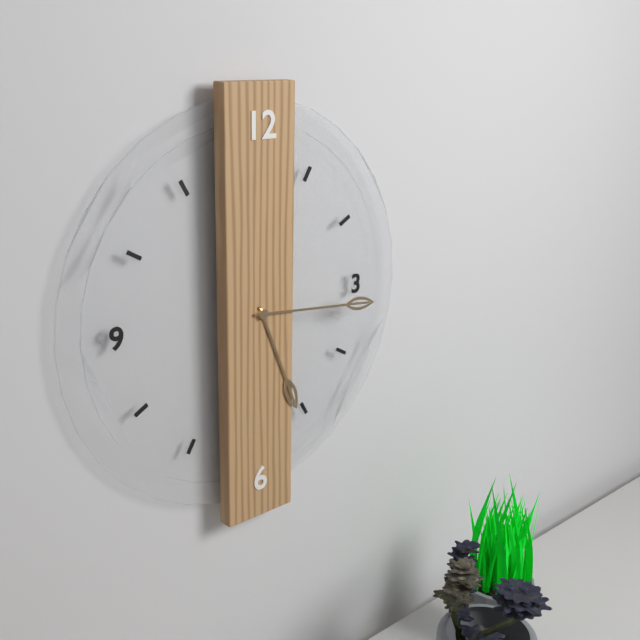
5:16
